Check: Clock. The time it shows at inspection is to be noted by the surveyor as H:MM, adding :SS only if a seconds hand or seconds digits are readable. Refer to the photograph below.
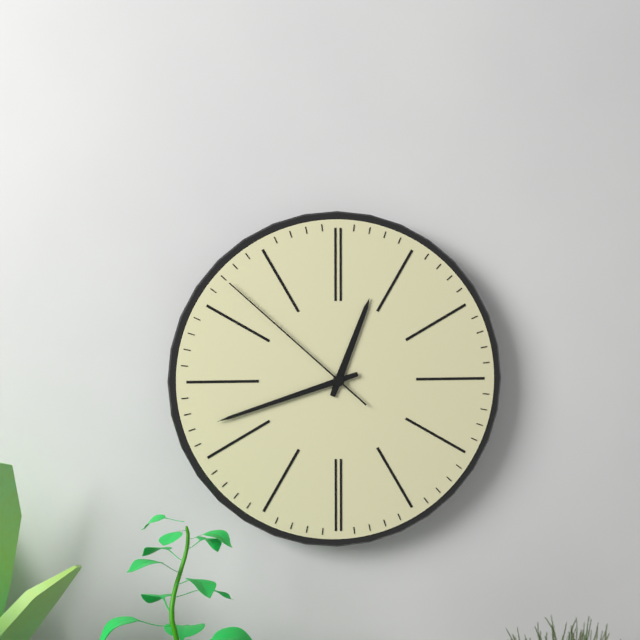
12:42:52
